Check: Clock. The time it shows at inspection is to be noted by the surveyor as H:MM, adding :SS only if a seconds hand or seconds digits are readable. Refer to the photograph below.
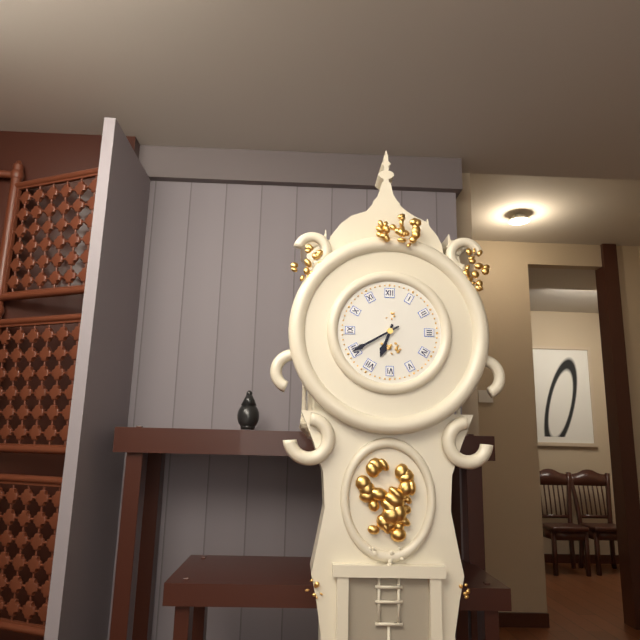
6:40
